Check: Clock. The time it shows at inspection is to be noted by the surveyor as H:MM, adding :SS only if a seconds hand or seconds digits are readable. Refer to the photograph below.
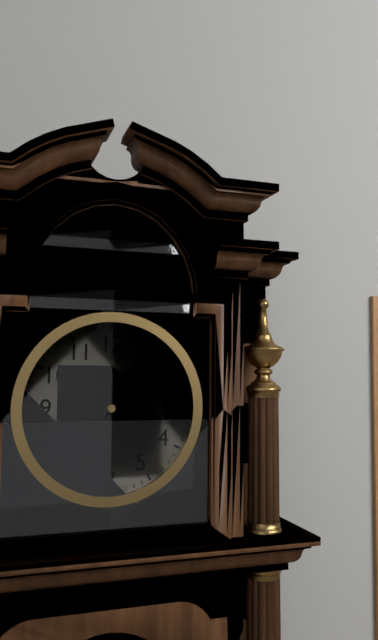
1:05
